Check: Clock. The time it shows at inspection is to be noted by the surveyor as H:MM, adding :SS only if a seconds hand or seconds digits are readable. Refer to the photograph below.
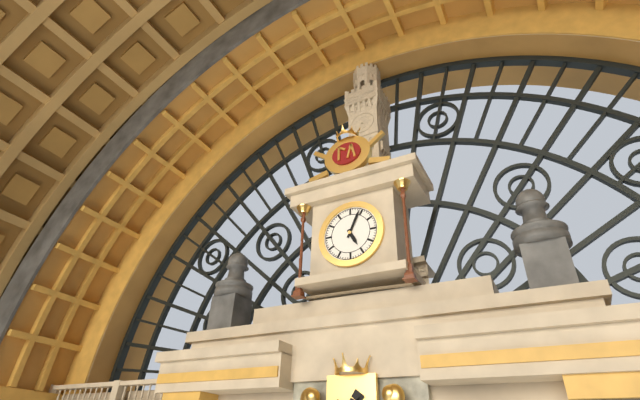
5:04
